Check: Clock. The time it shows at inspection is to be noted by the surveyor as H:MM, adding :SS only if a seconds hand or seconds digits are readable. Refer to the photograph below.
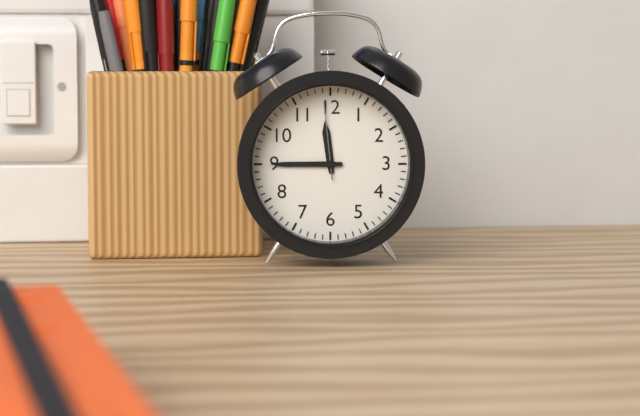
11:45:59
